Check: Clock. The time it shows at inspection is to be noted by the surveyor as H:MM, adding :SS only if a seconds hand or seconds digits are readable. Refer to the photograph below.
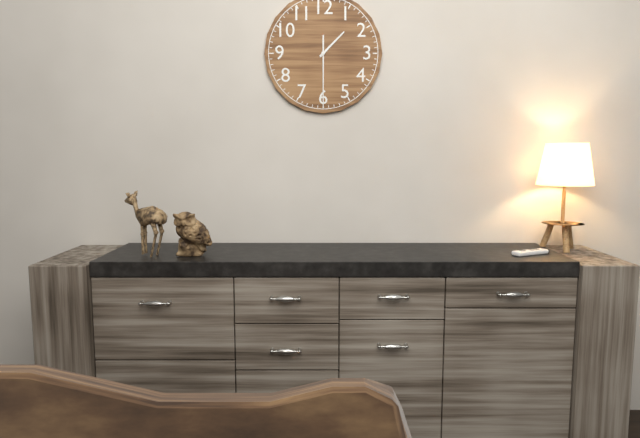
1:30
